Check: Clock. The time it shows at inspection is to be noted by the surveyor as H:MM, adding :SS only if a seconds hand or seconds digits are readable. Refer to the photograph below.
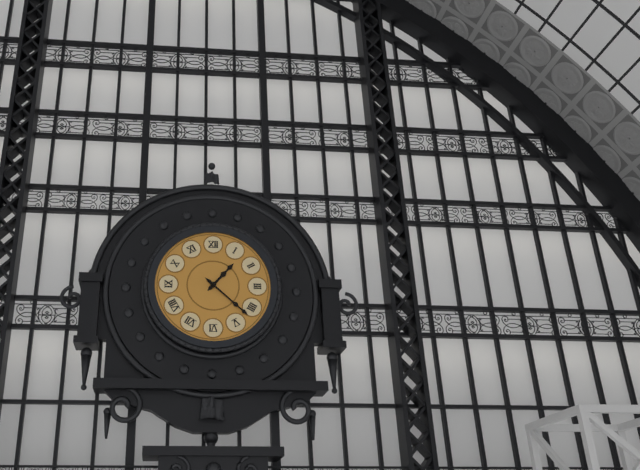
1:22
